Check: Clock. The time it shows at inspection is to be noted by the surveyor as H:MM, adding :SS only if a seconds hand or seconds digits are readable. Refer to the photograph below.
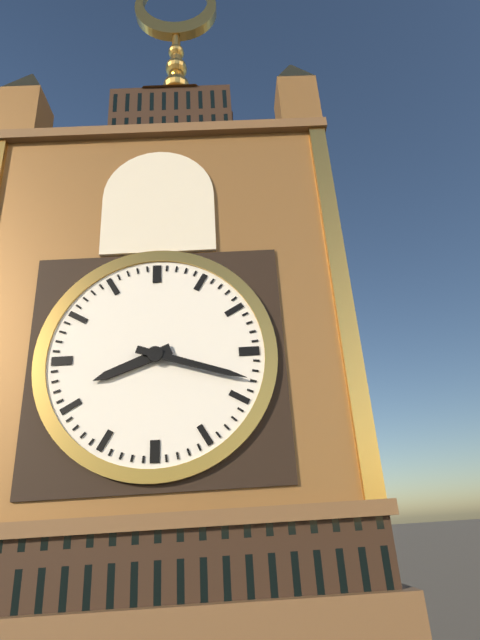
8:18
